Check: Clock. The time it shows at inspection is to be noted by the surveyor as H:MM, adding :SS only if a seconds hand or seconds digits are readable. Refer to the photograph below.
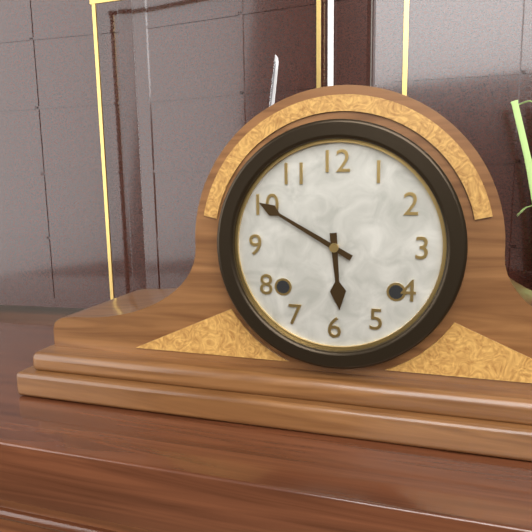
5:50
